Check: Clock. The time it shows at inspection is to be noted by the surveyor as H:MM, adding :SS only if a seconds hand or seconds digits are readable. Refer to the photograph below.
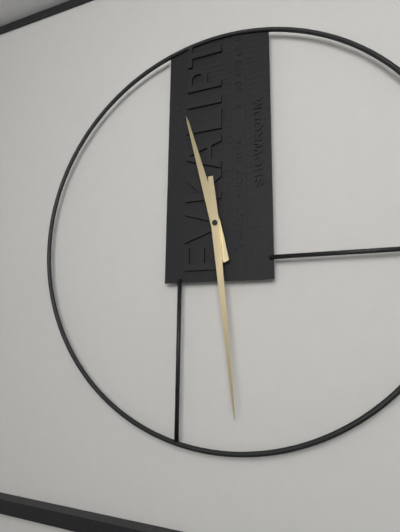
11:29
